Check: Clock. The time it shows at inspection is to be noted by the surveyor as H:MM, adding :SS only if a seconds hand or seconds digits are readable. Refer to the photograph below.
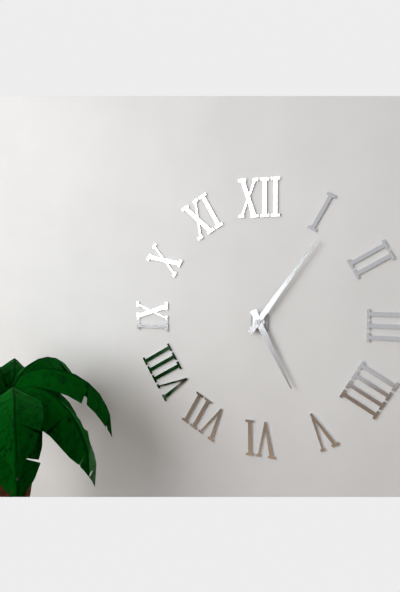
5:06
